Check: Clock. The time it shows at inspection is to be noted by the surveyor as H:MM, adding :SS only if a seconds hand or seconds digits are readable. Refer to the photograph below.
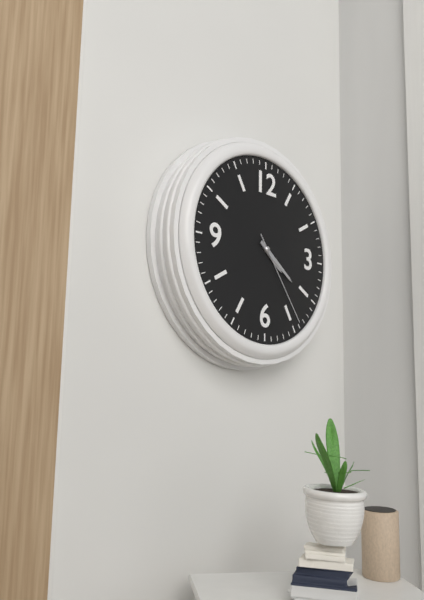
4:21:24
